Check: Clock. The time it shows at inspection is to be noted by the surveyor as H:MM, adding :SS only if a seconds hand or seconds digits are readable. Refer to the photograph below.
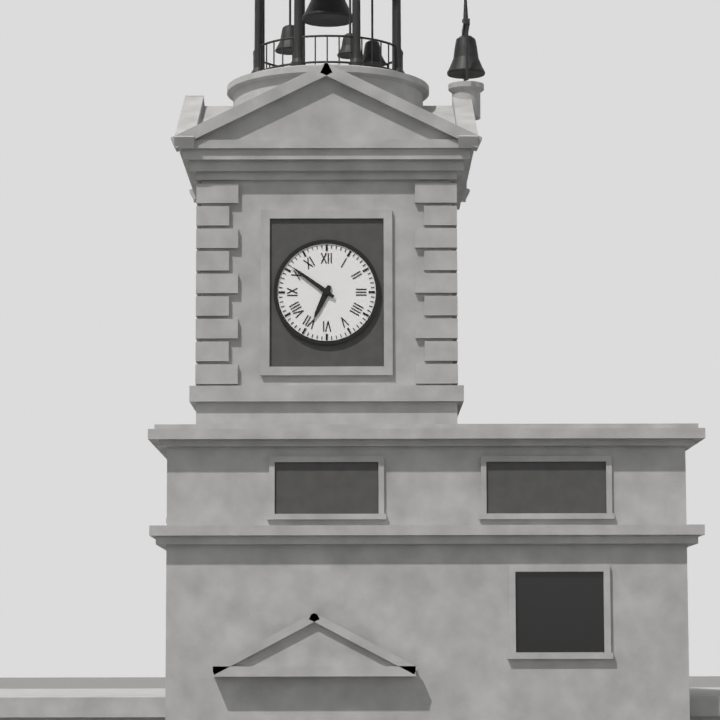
6:51
